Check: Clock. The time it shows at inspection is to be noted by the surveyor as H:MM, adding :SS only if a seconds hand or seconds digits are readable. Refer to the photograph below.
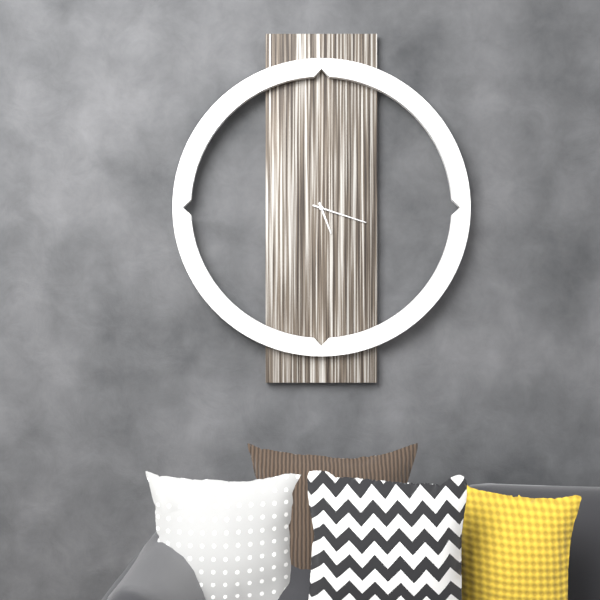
5:18
